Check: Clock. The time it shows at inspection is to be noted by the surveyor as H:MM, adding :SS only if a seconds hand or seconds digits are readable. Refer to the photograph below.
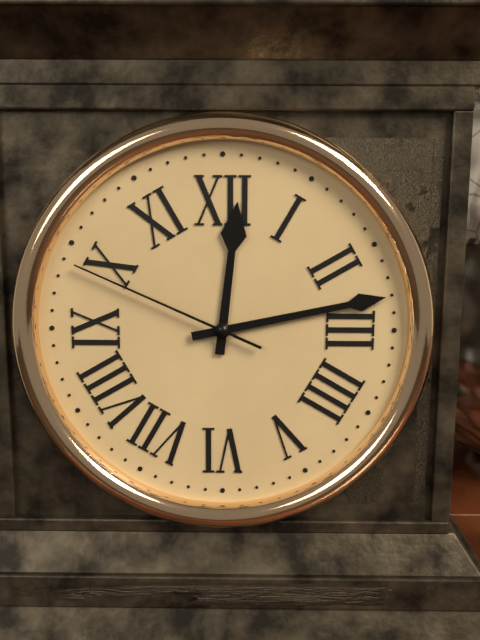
12:13:49
